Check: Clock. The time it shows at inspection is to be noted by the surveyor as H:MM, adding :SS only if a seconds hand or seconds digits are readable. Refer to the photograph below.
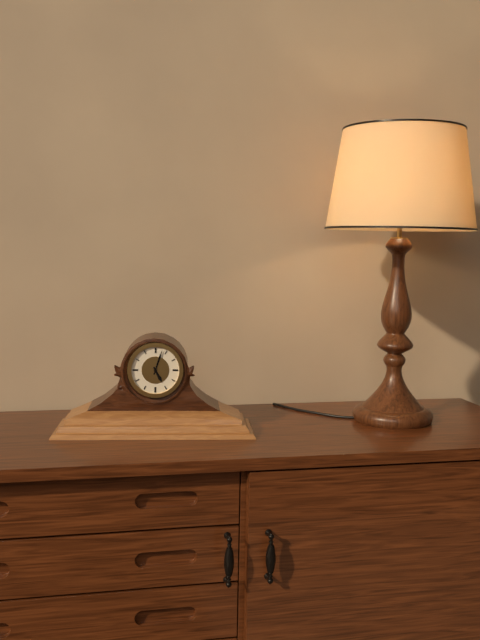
5:03
